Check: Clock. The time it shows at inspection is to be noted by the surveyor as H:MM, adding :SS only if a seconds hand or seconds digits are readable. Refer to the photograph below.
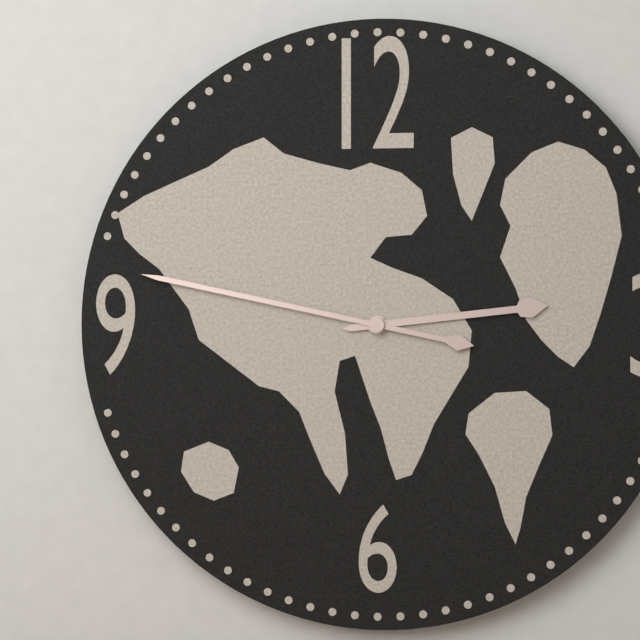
2:47
